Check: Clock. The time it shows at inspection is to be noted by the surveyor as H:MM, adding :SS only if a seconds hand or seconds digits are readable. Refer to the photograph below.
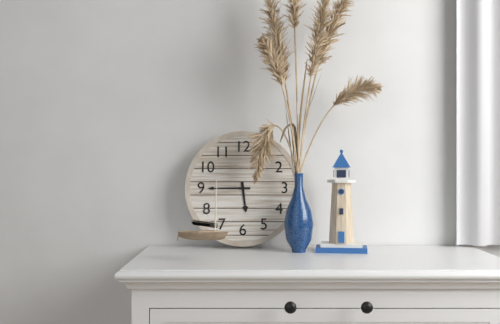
5:45
